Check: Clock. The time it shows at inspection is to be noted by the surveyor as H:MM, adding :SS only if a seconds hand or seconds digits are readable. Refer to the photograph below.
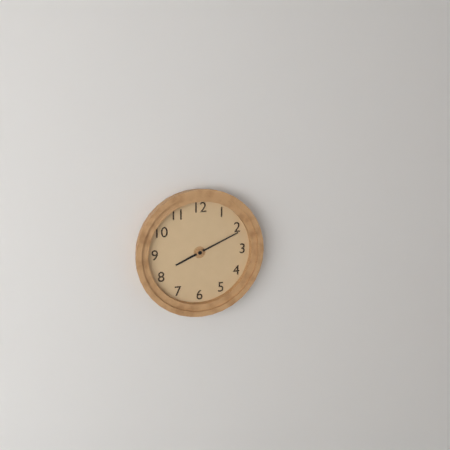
8:11
